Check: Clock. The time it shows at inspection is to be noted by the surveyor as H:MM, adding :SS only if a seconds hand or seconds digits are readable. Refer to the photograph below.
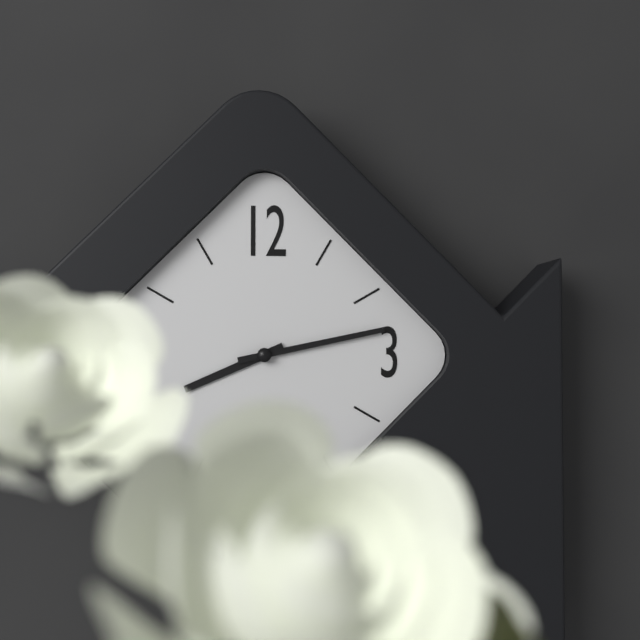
8:13
